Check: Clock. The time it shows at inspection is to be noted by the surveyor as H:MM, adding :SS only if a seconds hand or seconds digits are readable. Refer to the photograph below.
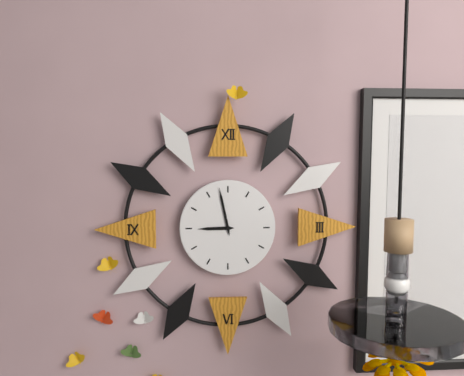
8:58
